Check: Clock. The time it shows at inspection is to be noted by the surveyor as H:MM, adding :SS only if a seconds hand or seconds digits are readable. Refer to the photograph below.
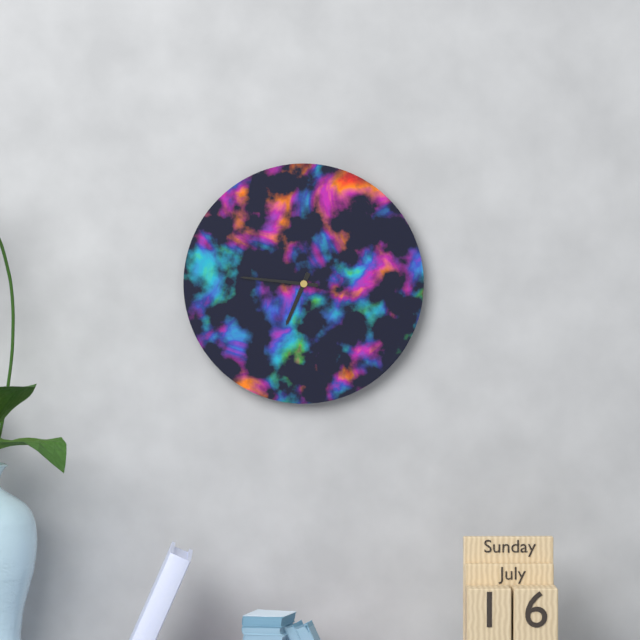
6:46
